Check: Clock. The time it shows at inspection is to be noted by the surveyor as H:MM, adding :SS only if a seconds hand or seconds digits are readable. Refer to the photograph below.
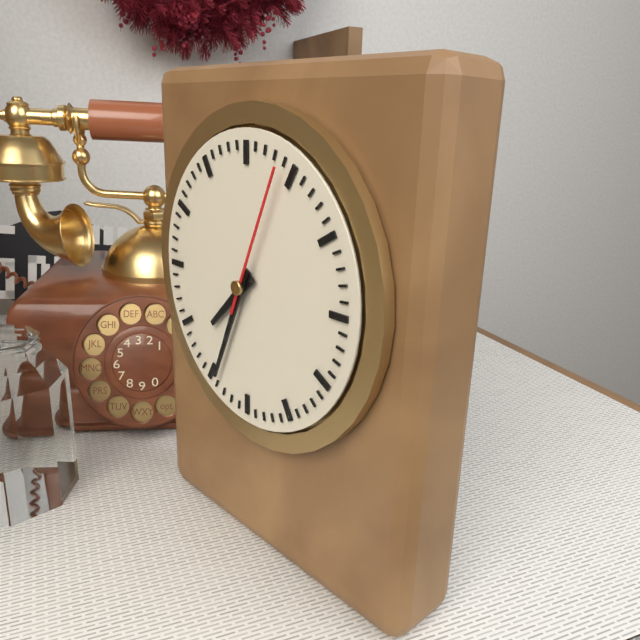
7:34:04
